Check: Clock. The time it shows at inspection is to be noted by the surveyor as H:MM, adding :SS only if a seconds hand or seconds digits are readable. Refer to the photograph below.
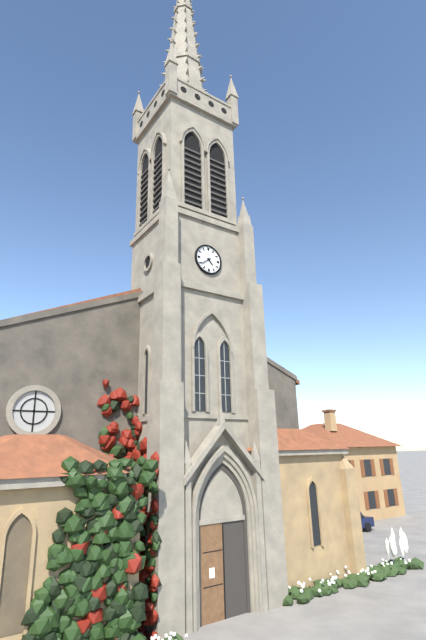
4:39
